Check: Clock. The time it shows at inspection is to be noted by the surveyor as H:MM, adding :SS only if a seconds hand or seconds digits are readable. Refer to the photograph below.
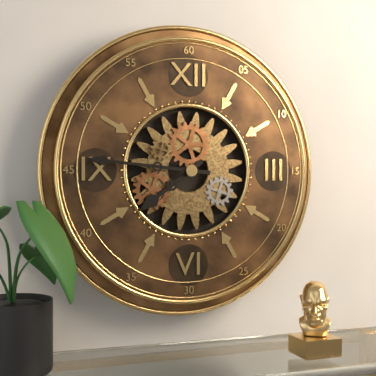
7:46
